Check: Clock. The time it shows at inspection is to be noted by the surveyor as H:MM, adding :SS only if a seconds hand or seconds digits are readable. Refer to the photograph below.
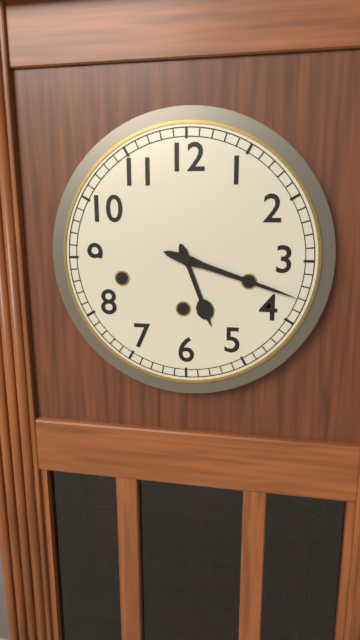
5:18
